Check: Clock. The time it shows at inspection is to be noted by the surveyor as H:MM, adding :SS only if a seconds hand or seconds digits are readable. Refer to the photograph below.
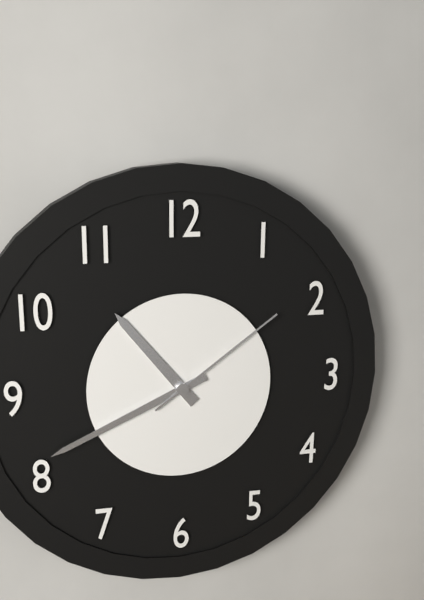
10:41:09
